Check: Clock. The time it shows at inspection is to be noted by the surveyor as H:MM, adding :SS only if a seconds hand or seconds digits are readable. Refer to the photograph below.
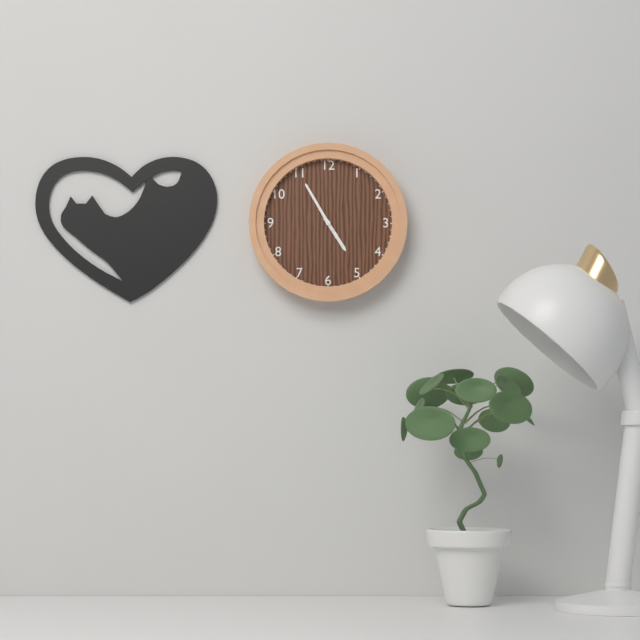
4:55
